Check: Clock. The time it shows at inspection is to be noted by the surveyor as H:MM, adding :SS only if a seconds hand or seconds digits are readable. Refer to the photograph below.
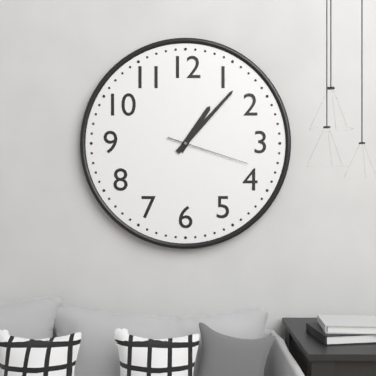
1:07:18
